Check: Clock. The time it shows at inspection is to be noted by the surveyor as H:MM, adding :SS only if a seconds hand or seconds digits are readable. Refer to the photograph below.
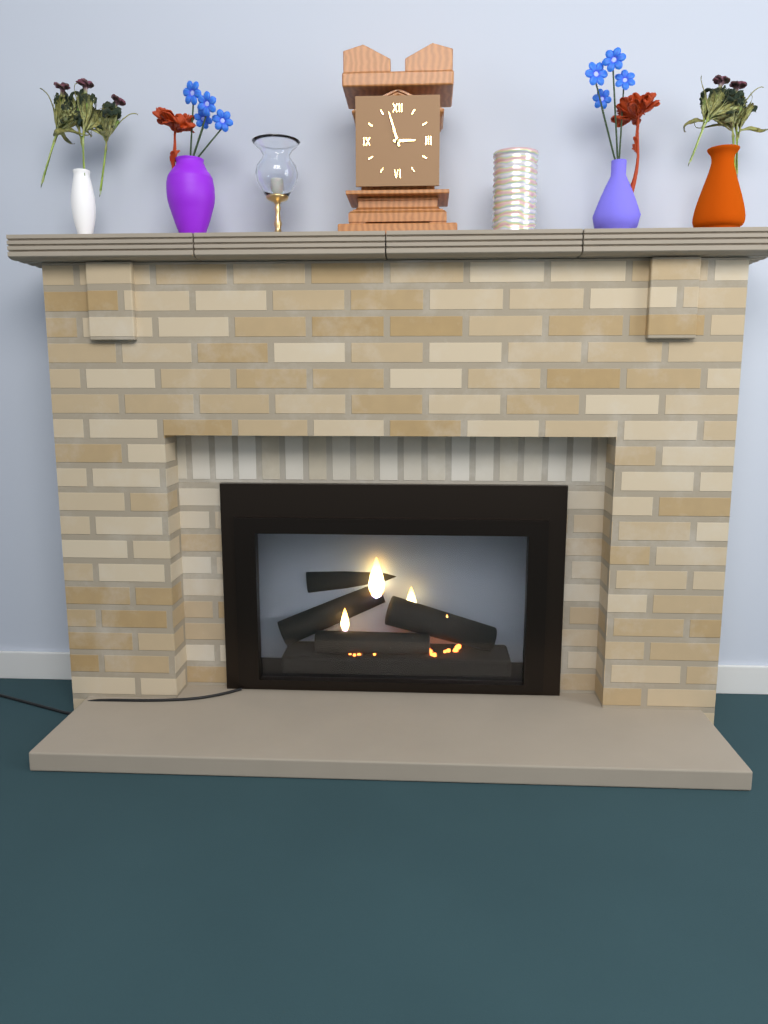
2:57
